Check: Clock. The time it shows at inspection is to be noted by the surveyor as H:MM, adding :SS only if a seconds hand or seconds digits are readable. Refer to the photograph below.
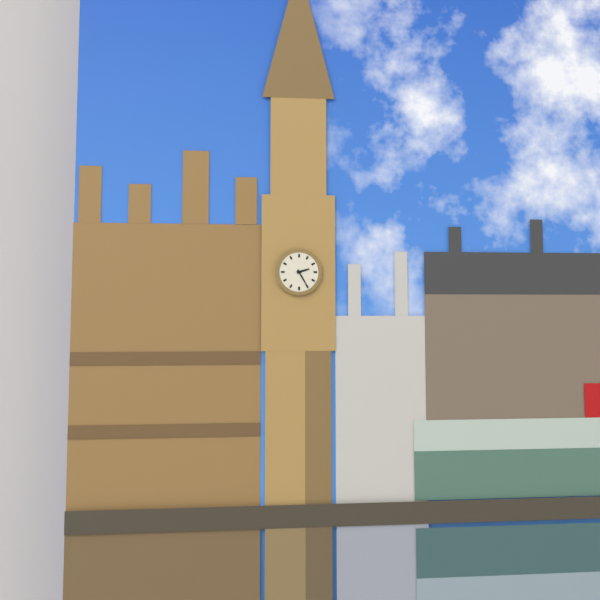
2:25
